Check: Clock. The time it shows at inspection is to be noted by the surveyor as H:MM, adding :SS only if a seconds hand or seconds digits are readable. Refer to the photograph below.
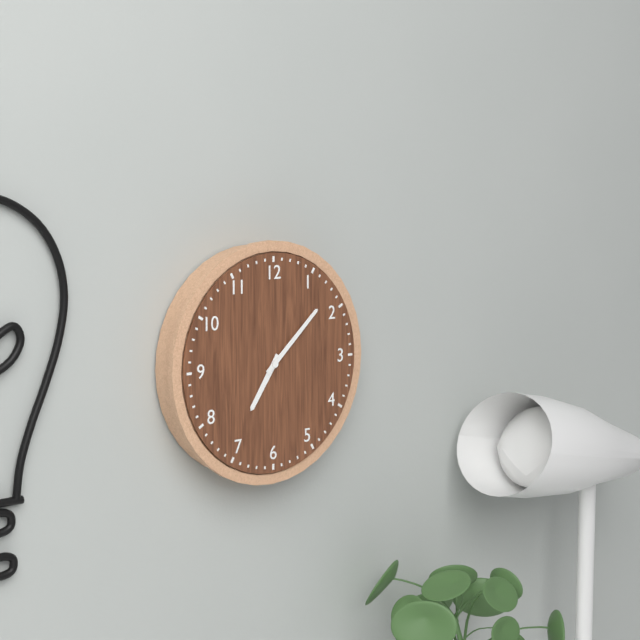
7:08
